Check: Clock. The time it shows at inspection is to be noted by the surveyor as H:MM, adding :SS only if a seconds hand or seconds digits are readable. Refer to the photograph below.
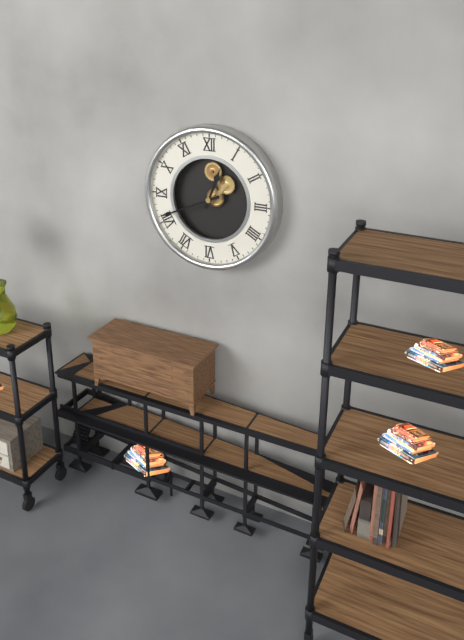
12:41
